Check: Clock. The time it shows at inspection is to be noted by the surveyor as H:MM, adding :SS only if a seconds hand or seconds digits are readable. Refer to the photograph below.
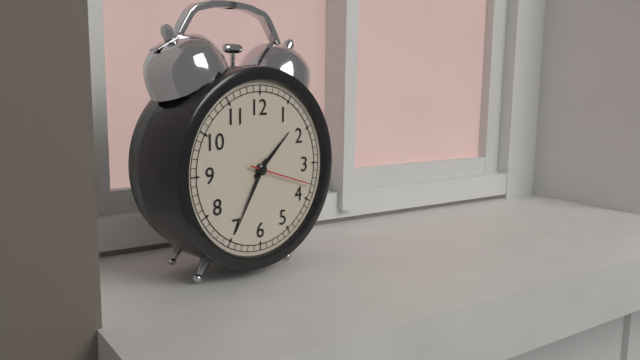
1:35:18
